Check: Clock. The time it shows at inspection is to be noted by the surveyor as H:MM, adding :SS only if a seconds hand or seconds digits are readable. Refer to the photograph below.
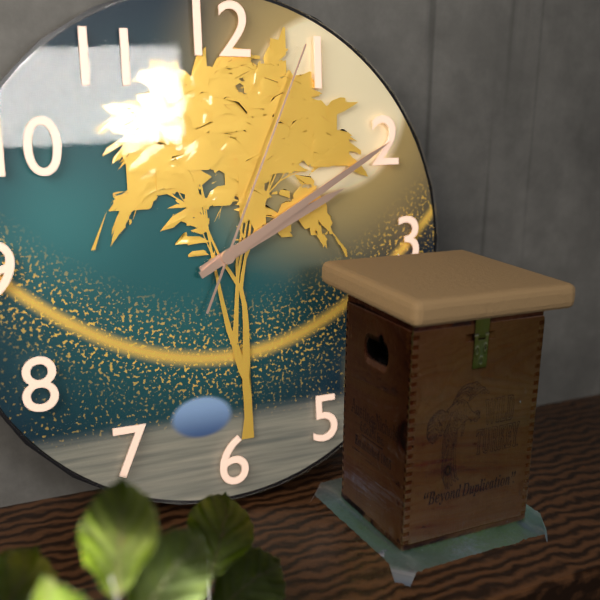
2:10:04
